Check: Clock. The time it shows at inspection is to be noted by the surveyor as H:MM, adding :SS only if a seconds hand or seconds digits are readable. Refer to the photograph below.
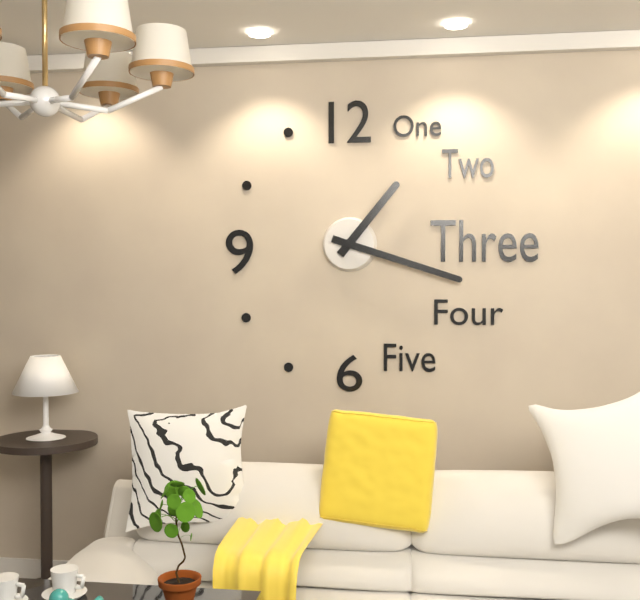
1:18
